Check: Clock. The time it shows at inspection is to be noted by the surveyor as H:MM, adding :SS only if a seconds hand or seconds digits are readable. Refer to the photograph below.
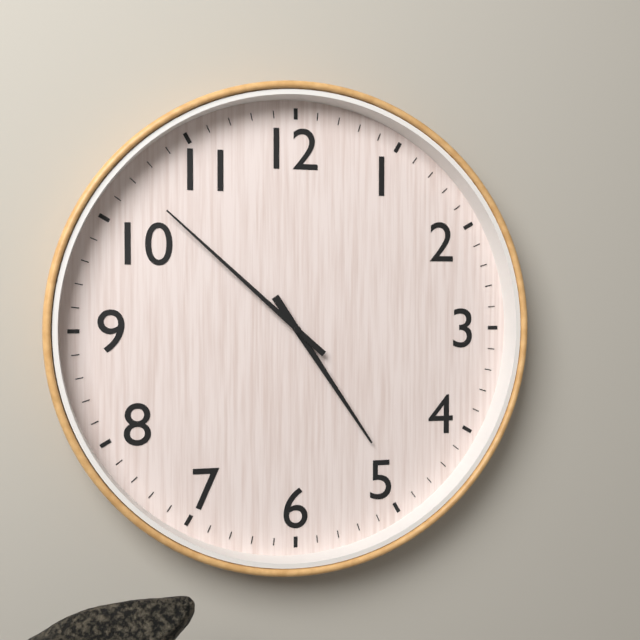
4:52
